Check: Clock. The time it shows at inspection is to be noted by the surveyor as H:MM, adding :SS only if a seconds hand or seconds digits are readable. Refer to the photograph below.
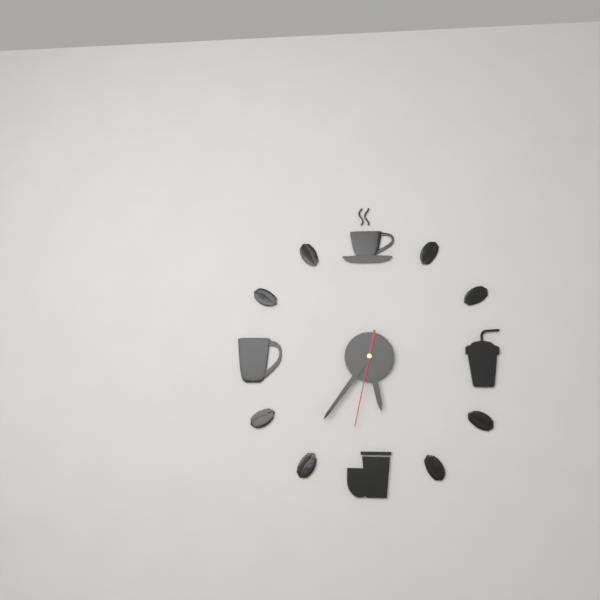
5:36:32
